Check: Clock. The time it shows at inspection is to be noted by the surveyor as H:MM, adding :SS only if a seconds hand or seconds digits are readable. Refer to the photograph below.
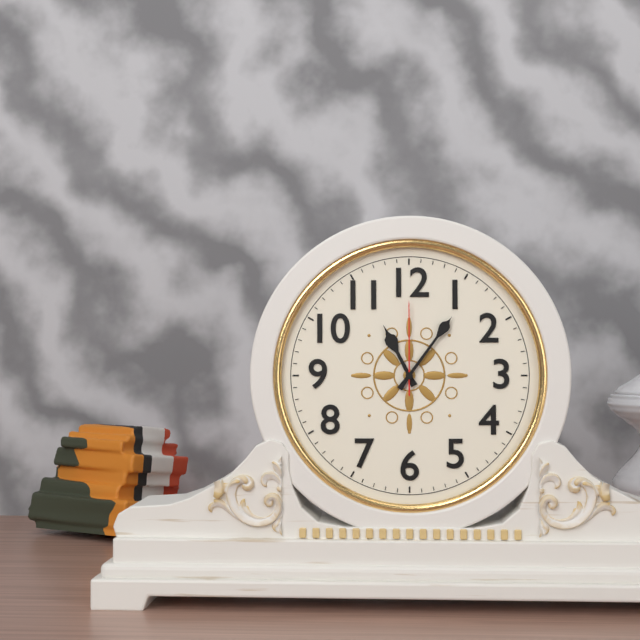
11:06:00
